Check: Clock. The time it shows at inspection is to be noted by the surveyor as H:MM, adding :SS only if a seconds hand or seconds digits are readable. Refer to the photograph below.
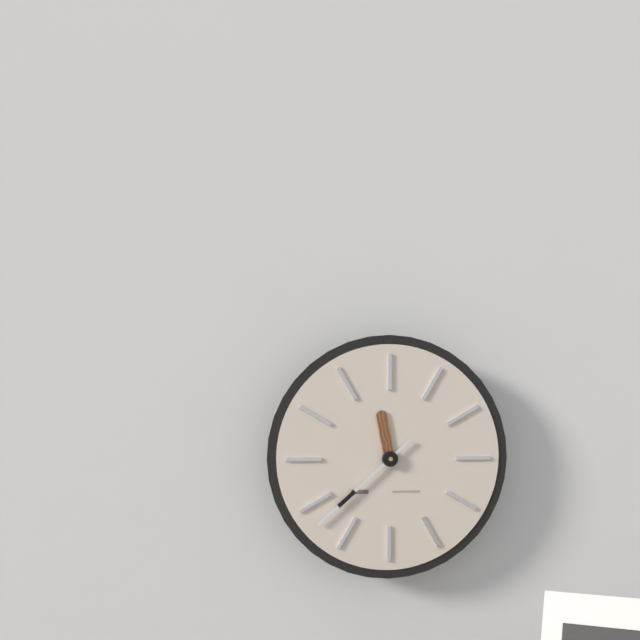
11:38
